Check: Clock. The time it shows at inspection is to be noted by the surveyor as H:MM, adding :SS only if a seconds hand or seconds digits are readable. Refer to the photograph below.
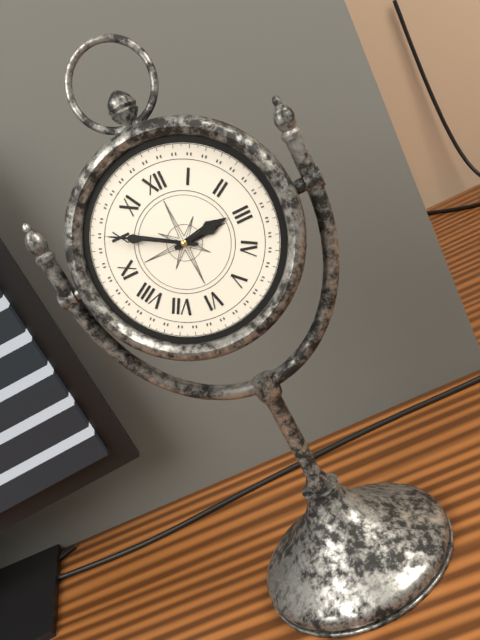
2:50
